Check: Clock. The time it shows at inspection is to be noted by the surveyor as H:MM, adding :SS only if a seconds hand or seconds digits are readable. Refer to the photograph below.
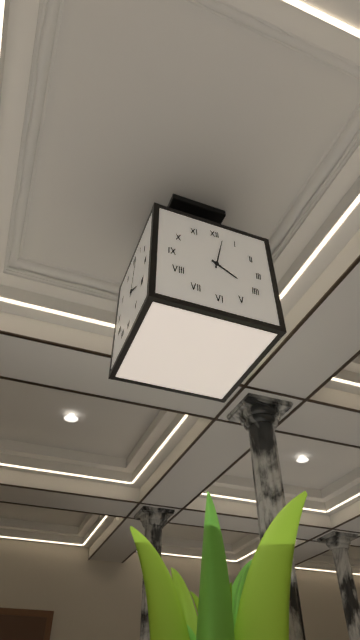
4:02
